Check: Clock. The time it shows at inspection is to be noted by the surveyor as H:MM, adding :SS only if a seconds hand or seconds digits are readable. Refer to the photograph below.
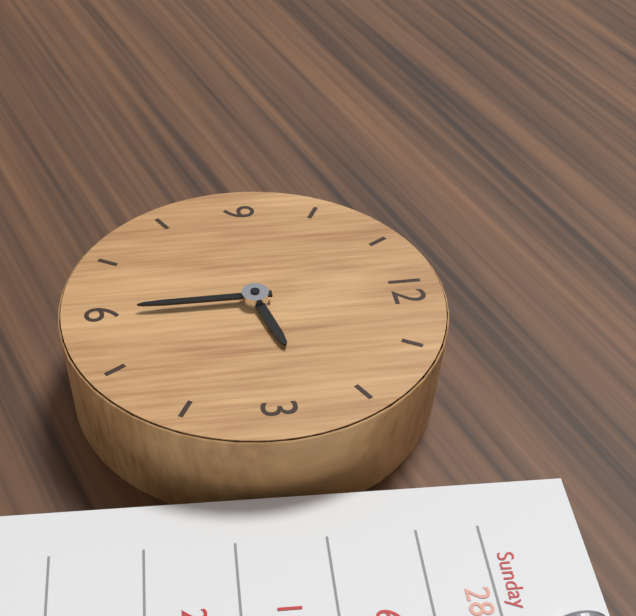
2:30
